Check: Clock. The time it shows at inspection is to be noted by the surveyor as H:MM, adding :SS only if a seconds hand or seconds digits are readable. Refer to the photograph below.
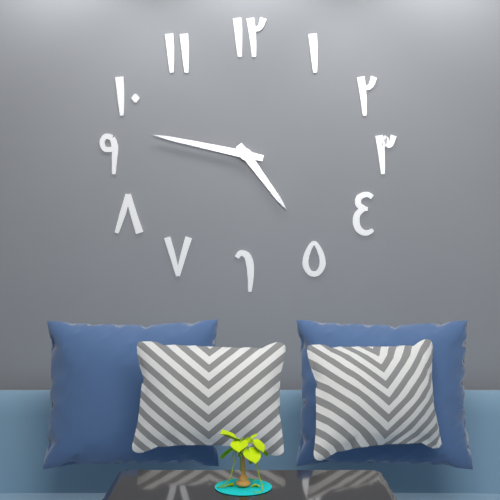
4:47
